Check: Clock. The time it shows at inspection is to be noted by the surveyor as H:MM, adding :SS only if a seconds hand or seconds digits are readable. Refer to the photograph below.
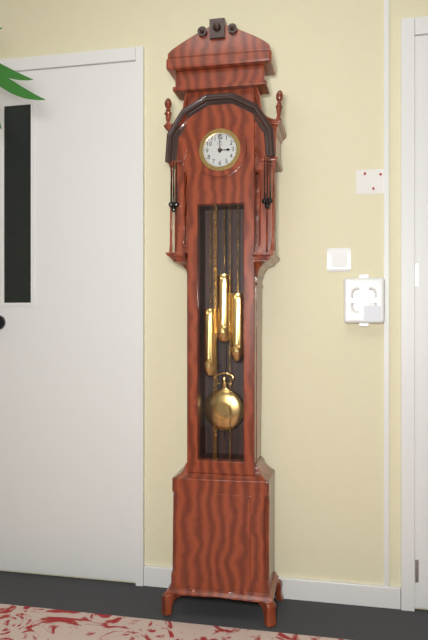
3:00
